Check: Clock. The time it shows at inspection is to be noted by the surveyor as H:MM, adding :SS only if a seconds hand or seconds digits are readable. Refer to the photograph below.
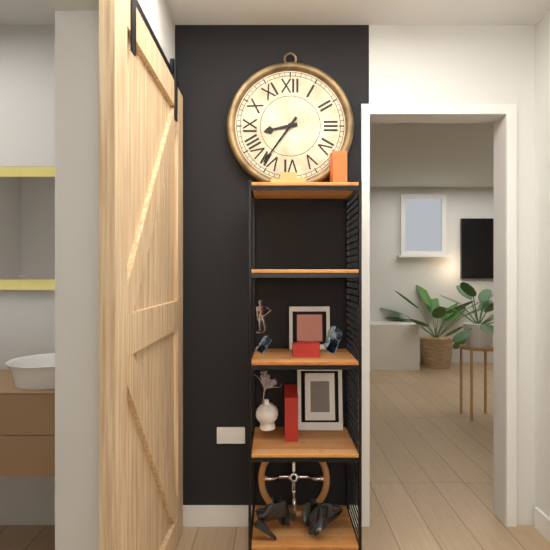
8:36
